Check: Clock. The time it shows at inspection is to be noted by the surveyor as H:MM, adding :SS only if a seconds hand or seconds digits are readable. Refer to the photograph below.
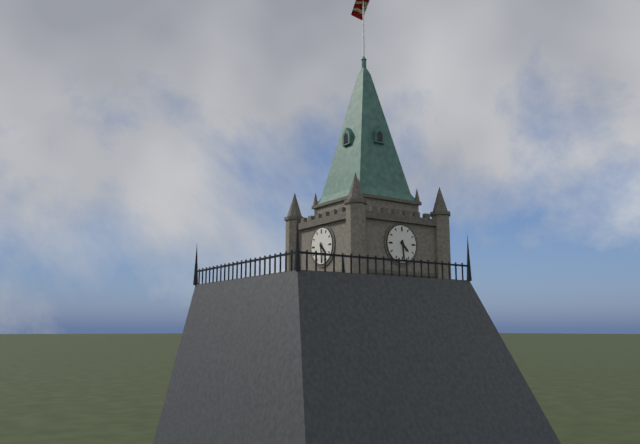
4:29
